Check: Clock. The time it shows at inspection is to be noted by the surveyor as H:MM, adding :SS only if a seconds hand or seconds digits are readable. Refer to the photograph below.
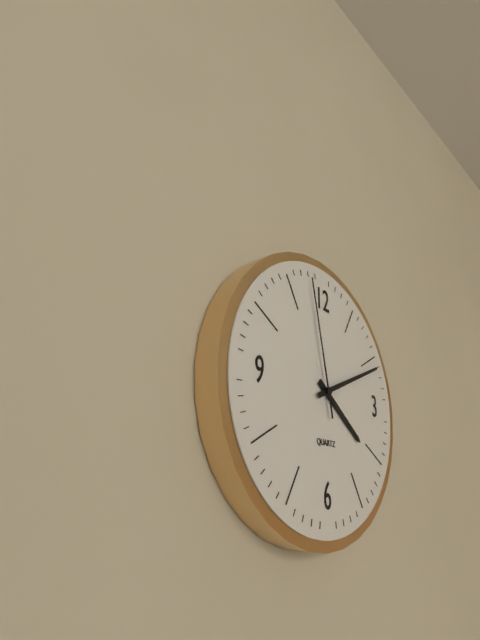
4:11:58
